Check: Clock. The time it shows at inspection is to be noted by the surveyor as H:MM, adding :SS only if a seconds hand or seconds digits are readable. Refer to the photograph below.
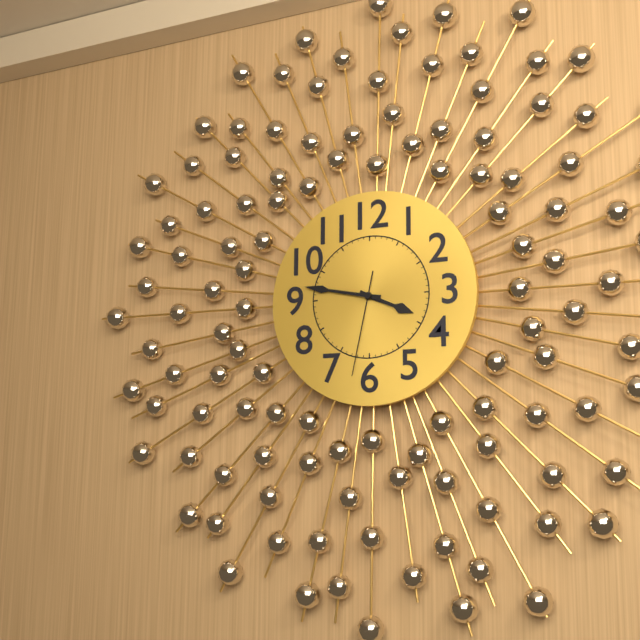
3:47:32
